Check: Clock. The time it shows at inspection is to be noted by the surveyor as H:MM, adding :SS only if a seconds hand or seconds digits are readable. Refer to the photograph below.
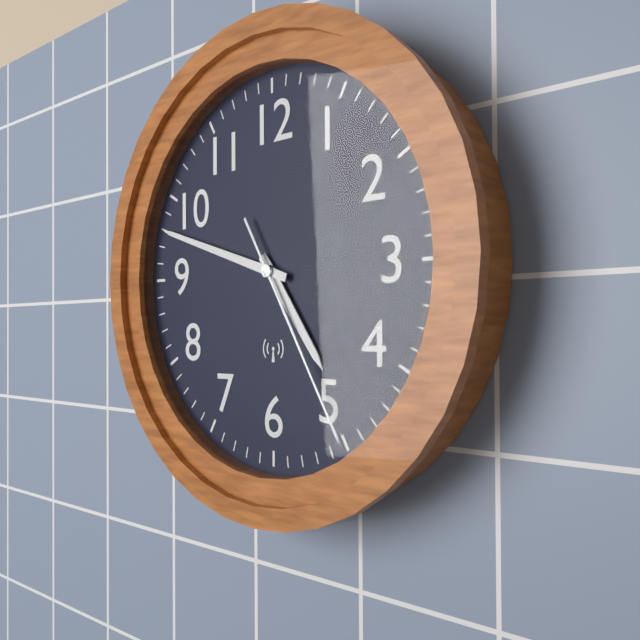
4:48:25
